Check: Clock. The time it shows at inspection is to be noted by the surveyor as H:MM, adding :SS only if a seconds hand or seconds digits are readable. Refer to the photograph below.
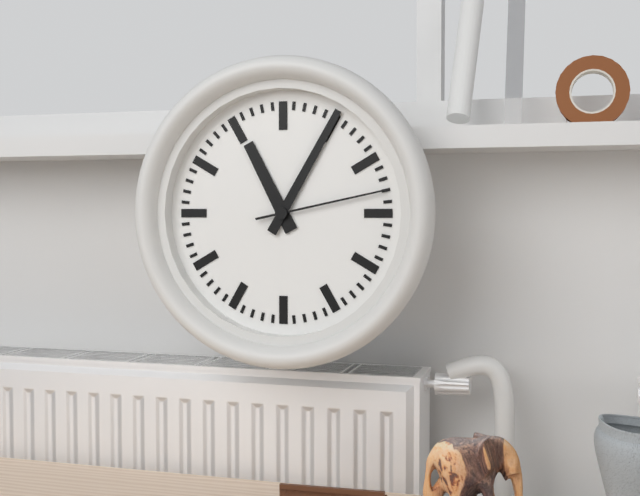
11:05:13
